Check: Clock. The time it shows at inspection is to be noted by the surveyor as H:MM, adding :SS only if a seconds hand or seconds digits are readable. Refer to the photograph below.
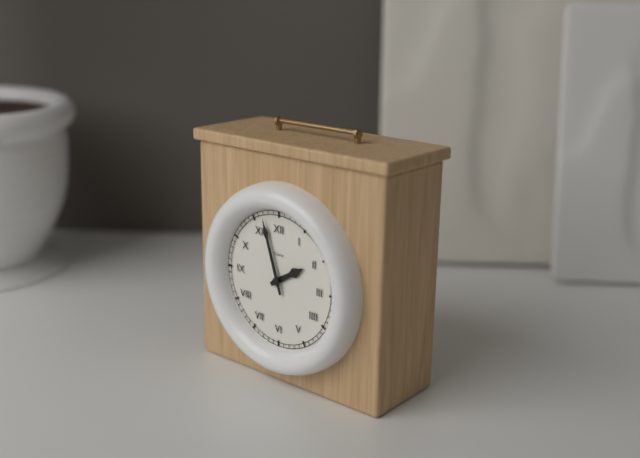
1:57
